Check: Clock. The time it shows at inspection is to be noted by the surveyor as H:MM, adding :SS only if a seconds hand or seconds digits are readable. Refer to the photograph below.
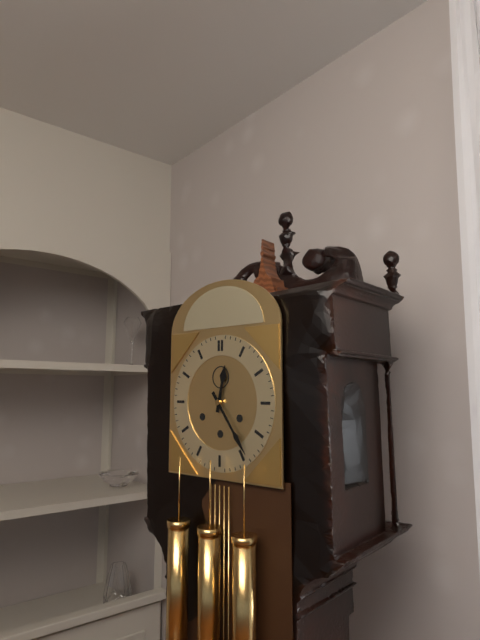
12:24
